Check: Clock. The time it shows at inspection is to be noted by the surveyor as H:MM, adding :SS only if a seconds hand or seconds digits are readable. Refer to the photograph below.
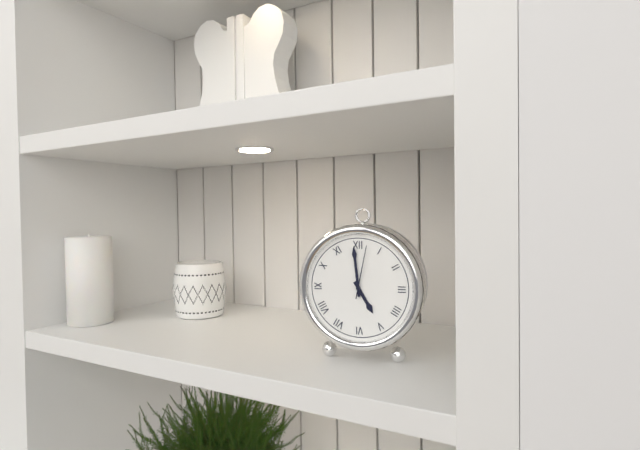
4:59
